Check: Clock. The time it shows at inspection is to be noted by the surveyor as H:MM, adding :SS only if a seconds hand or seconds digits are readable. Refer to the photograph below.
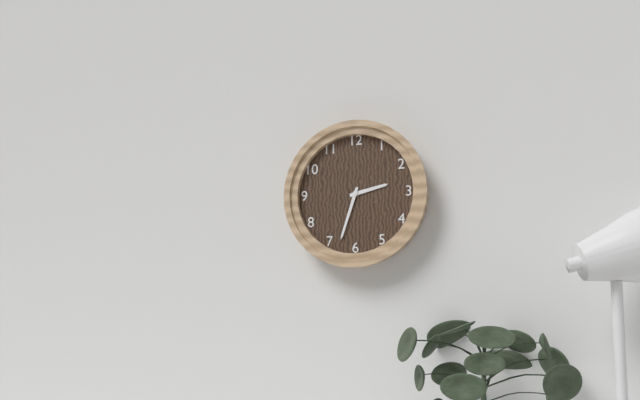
2:33
